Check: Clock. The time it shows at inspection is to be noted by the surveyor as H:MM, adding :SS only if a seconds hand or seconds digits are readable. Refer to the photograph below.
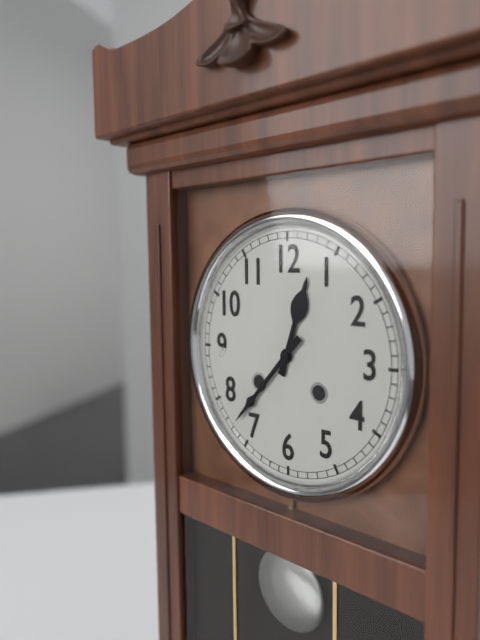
12:37
